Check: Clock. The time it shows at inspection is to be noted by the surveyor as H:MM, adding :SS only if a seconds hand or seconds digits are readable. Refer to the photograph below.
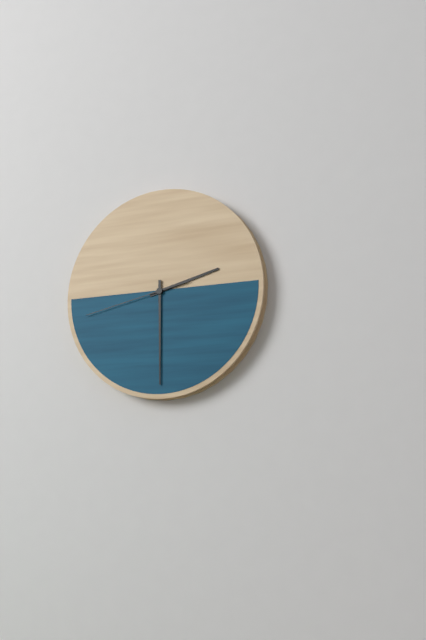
2:30:43
